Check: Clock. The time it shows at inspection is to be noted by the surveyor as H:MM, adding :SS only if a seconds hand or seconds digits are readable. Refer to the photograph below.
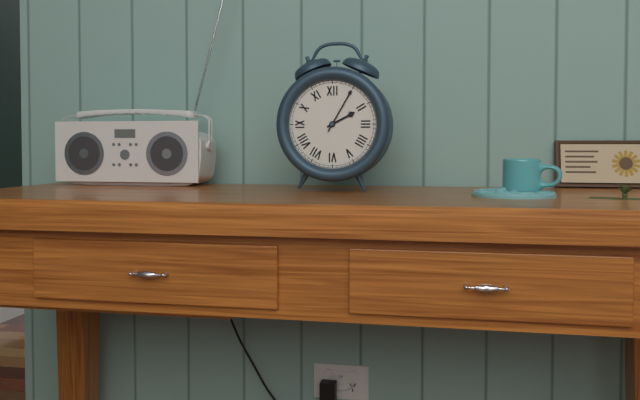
2:05
